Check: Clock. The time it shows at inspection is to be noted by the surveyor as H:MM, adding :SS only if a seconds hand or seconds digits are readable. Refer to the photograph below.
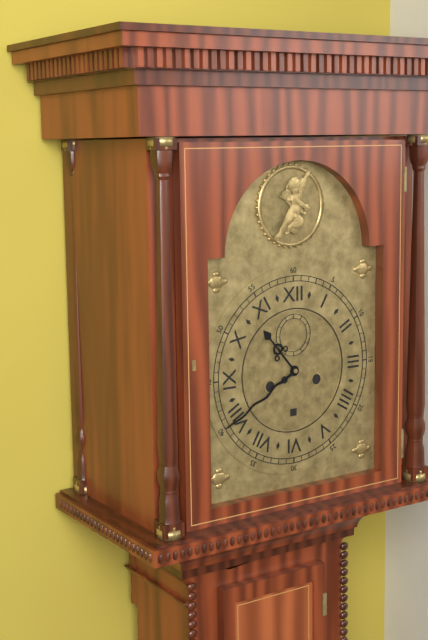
10:40
